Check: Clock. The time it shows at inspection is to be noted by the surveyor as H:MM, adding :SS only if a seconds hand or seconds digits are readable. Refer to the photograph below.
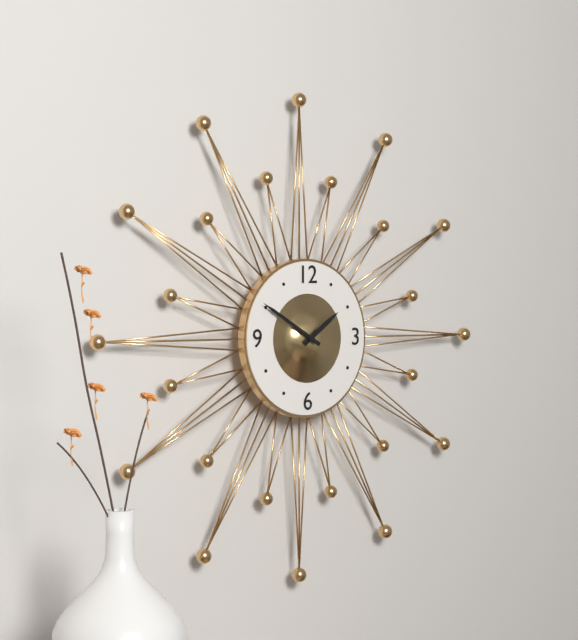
1:50
